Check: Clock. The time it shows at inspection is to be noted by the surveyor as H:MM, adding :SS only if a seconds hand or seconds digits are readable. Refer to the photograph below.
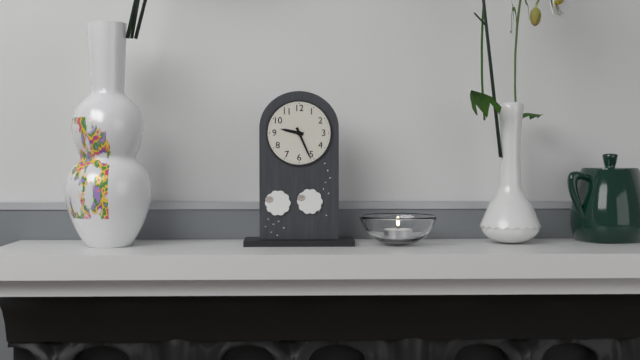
9:26
